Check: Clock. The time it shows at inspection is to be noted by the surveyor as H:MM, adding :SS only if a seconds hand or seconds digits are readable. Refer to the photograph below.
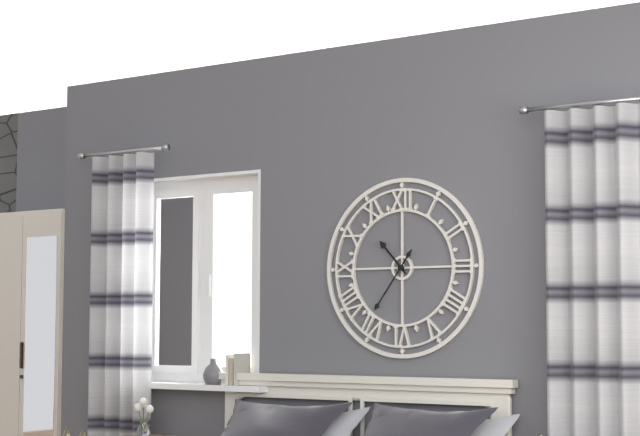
10:36
